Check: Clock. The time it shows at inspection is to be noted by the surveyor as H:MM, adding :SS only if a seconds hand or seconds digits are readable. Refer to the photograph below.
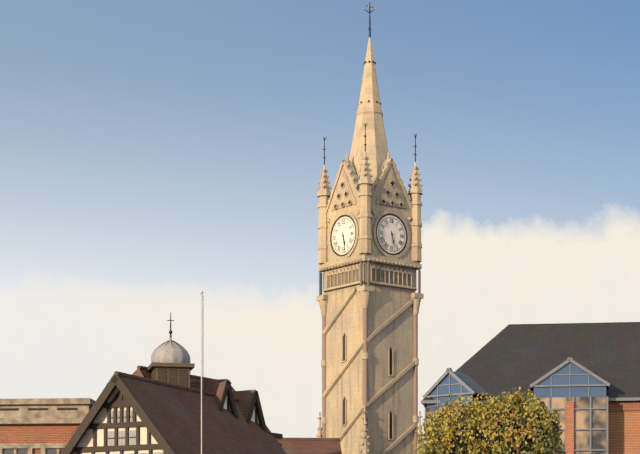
5:28
